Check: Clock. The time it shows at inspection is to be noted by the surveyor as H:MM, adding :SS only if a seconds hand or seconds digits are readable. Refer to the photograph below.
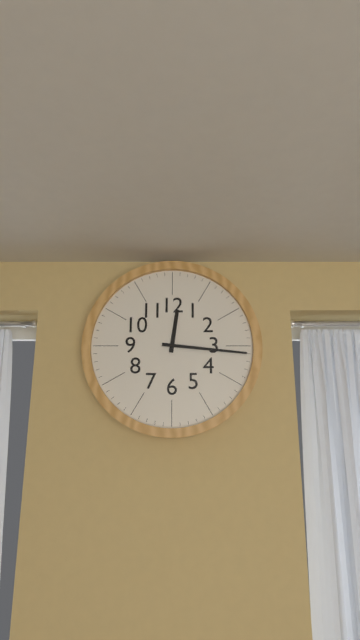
12:16
